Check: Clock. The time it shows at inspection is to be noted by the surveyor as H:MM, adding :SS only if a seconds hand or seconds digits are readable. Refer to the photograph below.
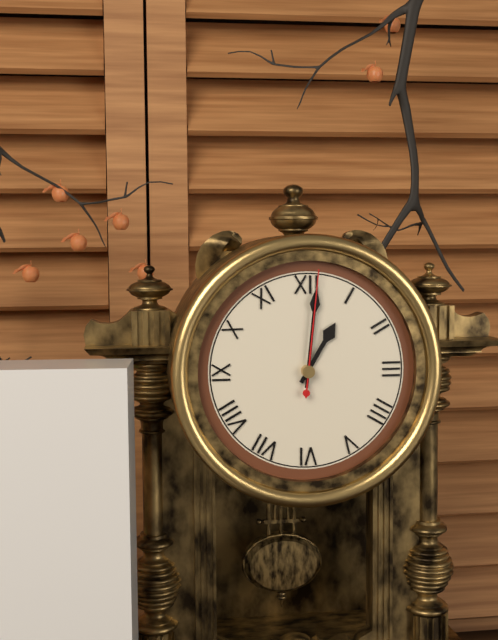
1:01:01
